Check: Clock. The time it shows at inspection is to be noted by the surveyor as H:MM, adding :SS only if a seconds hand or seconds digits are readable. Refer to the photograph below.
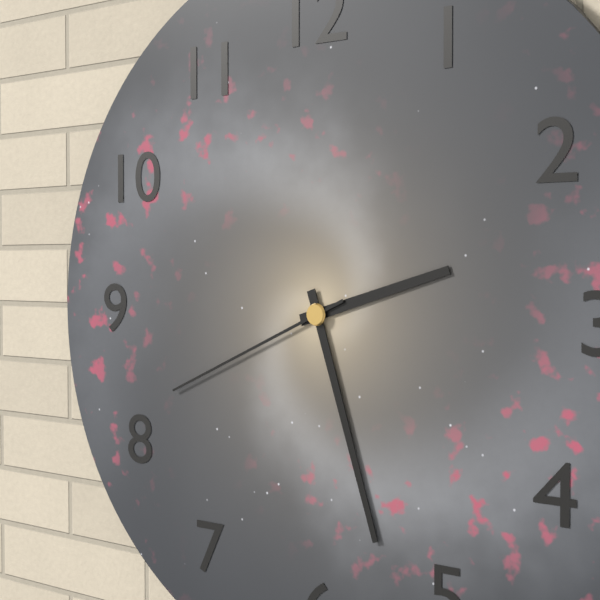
2:27:41
